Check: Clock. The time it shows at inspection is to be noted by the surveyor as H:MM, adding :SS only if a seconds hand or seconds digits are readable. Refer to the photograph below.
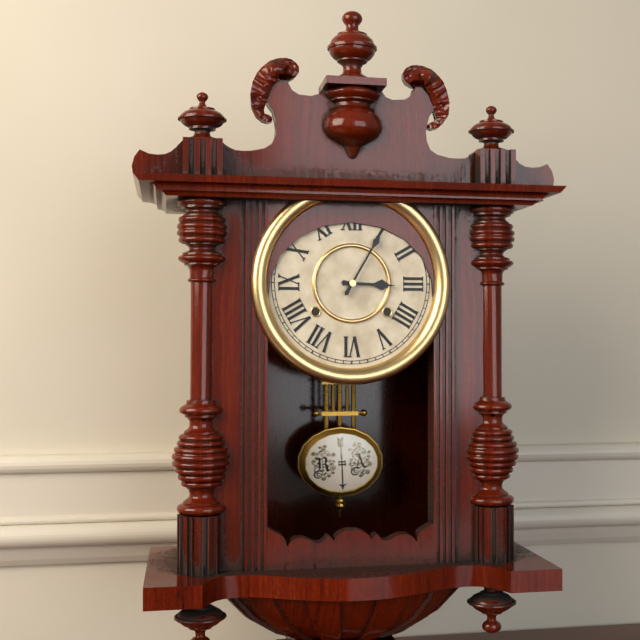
3:05
